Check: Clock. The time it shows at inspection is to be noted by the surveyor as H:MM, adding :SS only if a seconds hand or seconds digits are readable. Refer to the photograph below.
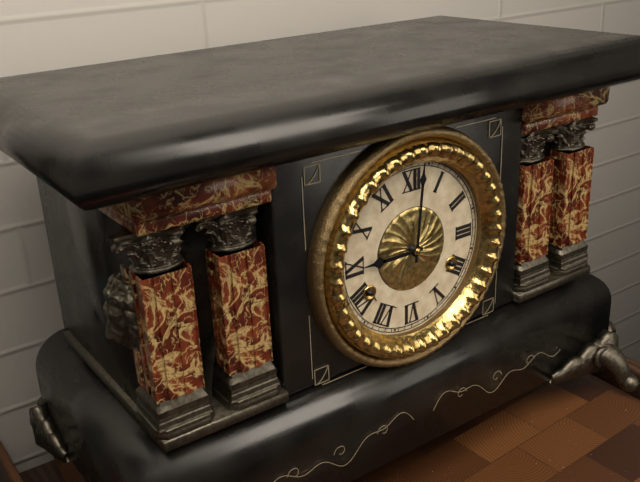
9:01
